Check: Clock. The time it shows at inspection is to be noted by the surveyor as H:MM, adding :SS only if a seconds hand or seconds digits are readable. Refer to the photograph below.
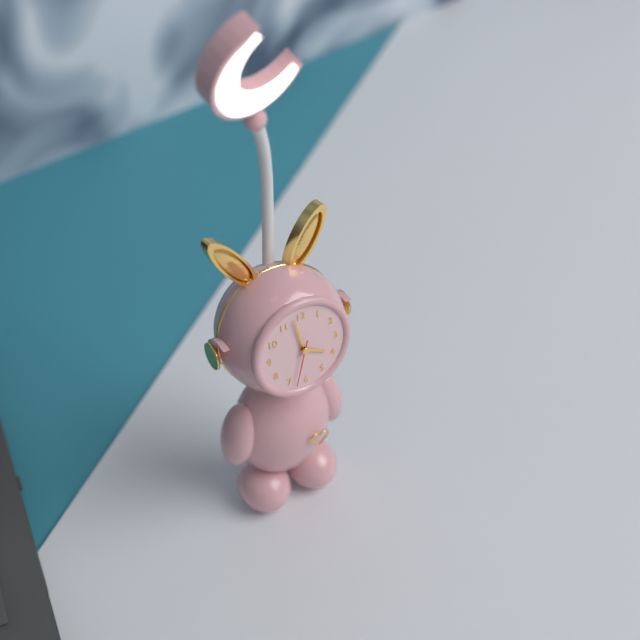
3:58
